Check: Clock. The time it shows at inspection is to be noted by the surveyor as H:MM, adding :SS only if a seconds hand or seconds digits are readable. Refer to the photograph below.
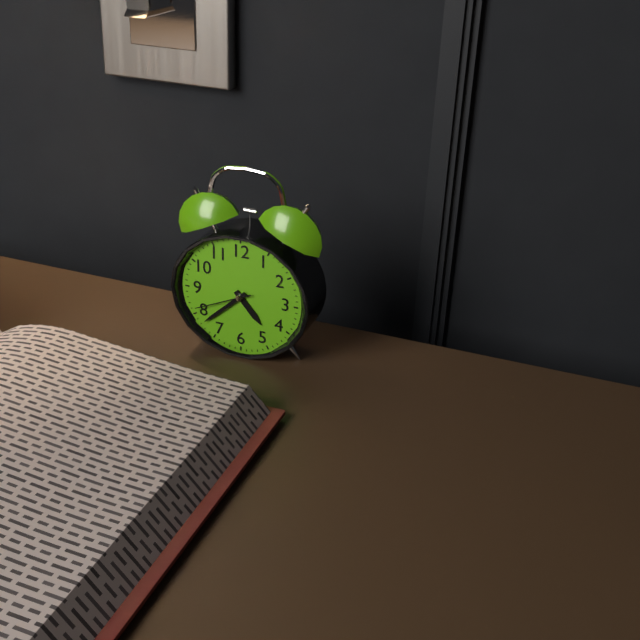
4:38:41
